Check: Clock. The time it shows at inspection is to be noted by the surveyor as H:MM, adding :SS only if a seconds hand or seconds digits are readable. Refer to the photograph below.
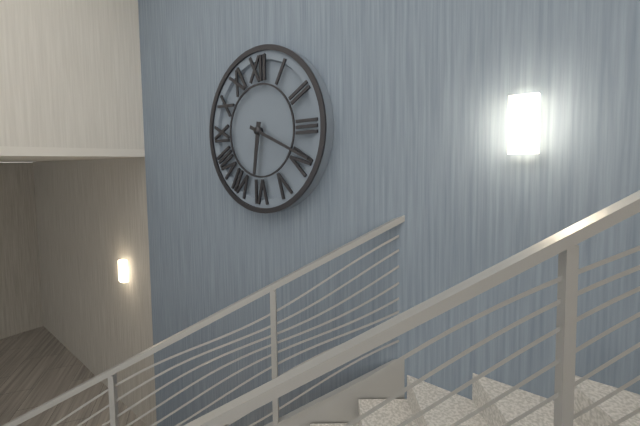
6:19
